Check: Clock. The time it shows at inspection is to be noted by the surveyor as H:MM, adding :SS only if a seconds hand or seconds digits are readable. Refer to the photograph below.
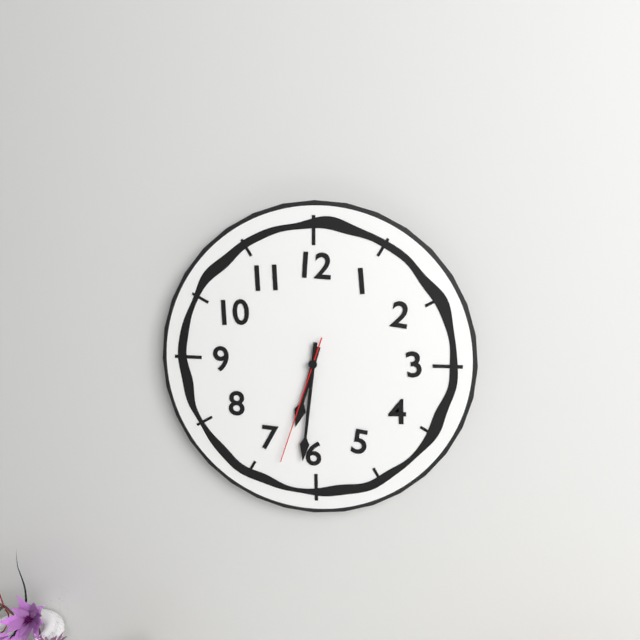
6:31:33
